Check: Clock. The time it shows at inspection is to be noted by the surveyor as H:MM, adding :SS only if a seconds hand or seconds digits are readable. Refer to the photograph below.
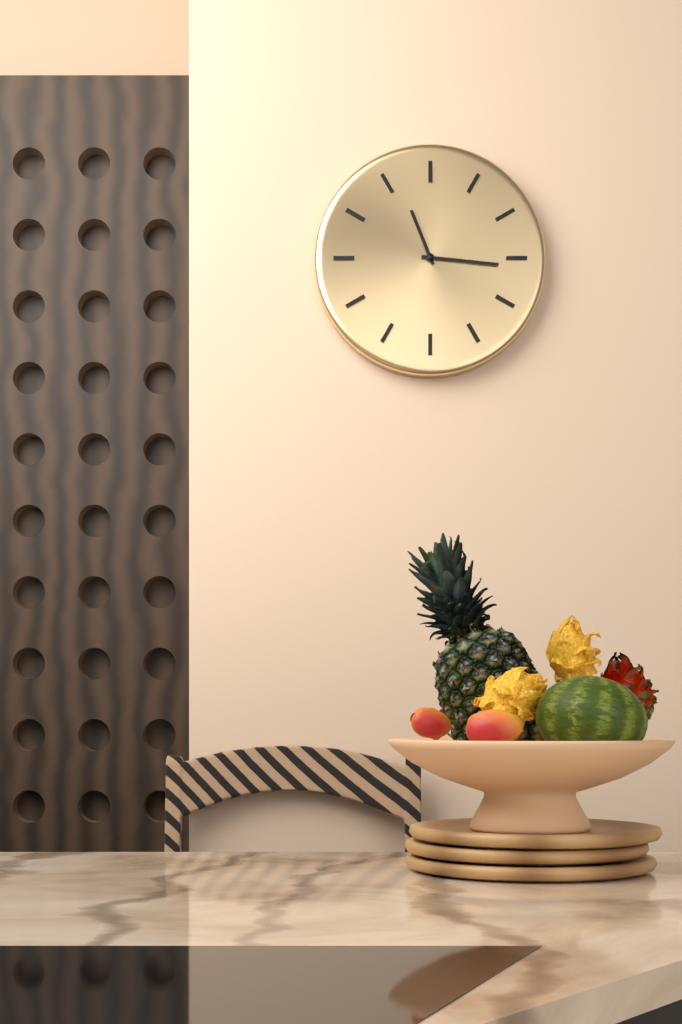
11:16
